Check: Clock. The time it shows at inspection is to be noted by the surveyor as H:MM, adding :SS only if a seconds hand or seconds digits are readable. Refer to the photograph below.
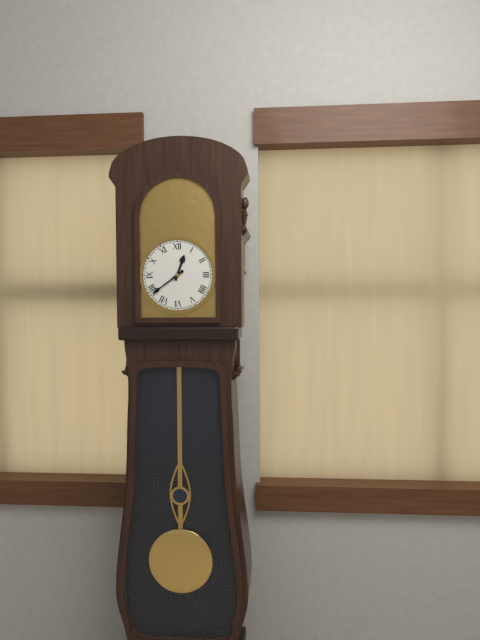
12:39
